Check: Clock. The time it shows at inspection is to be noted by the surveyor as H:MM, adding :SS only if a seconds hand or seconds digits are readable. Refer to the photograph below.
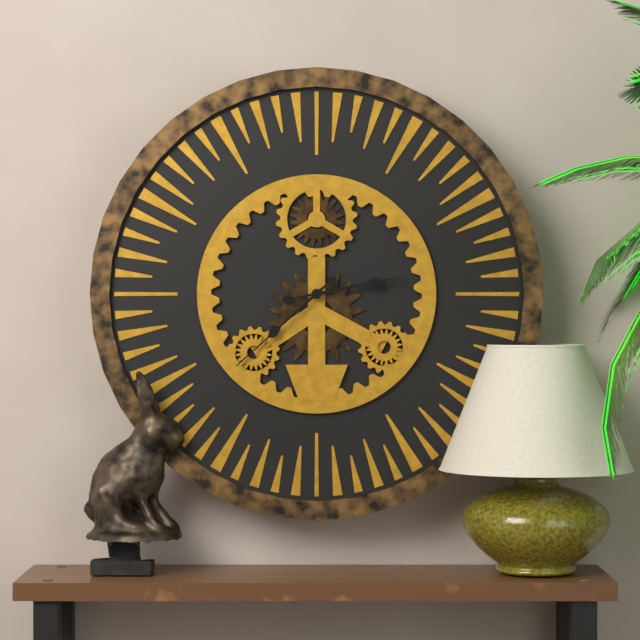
2:38
